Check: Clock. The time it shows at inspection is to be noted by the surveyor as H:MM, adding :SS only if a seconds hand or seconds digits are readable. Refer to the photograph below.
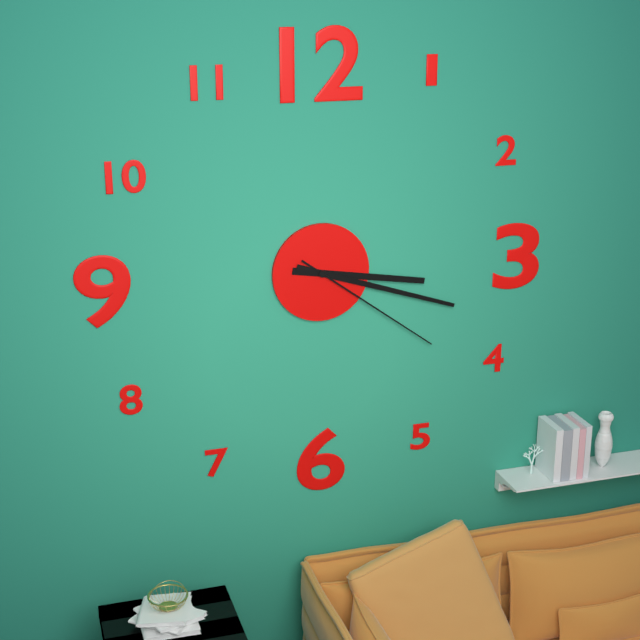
3:18:21
